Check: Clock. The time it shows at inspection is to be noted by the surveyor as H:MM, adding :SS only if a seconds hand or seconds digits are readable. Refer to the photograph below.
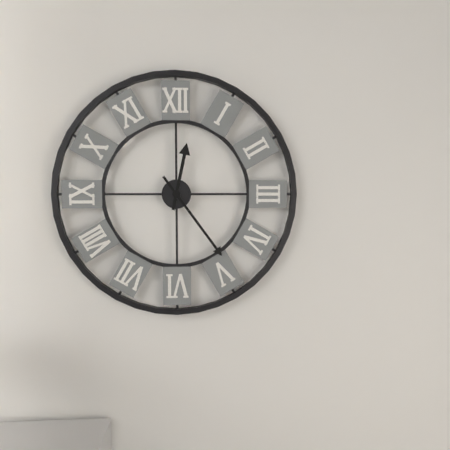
12:24
